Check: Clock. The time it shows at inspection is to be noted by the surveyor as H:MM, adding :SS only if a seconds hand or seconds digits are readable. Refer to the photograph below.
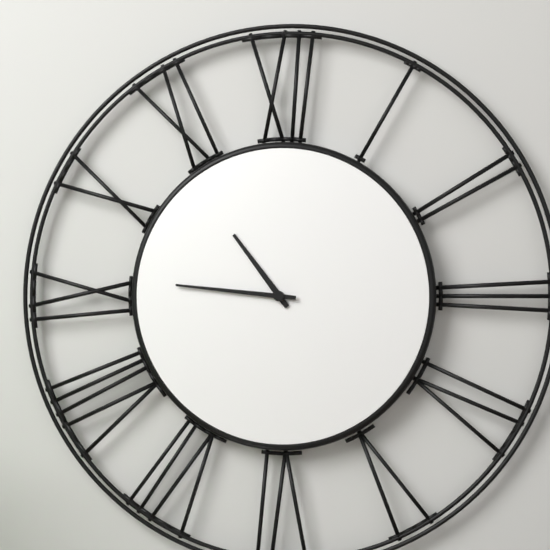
10:46
